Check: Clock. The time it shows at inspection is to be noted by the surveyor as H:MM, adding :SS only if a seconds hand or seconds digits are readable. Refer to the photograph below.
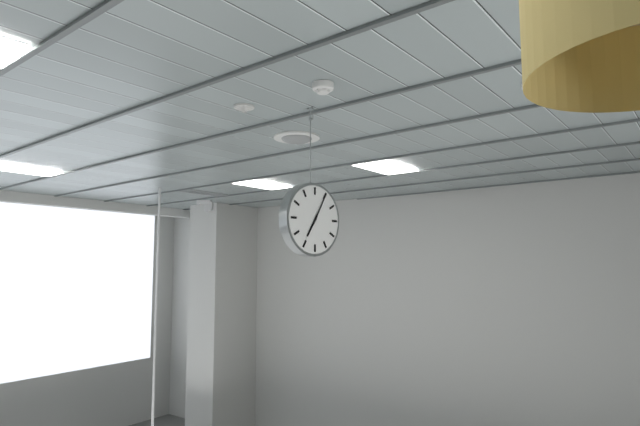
7:05
